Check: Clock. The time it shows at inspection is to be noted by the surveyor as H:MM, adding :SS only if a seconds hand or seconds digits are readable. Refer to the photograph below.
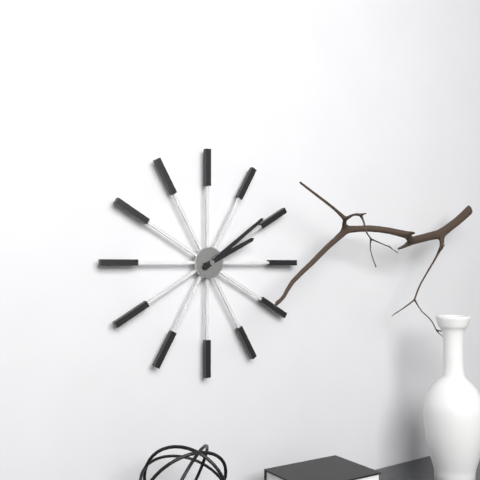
2:09
